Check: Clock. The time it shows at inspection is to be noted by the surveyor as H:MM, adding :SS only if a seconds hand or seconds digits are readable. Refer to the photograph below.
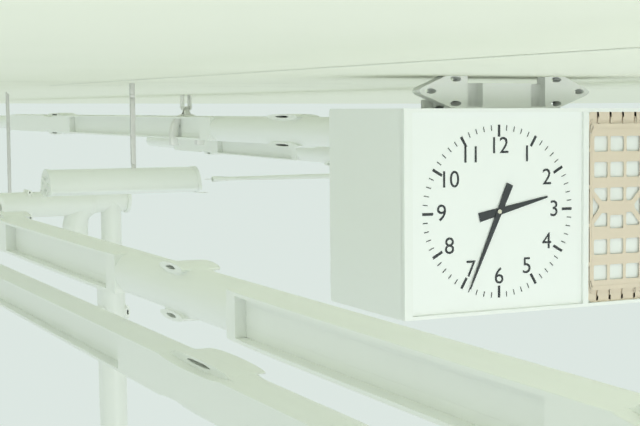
2:34
